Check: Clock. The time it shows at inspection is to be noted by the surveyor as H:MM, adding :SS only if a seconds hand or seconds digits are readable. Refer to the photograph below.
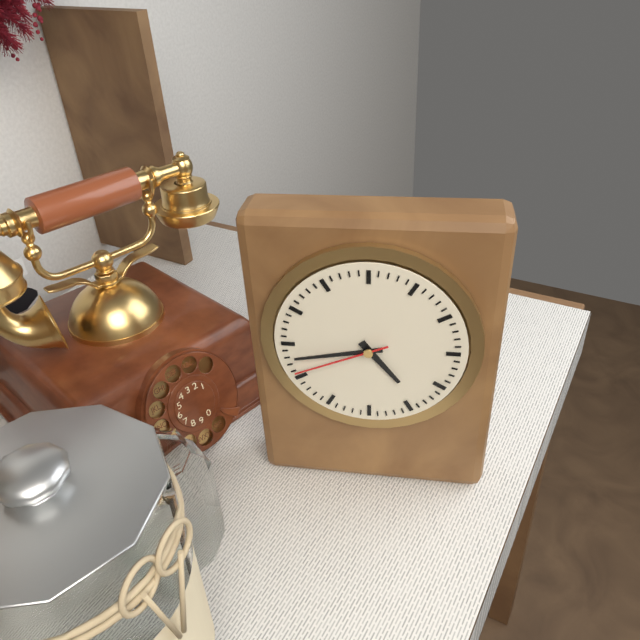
4:43:41
